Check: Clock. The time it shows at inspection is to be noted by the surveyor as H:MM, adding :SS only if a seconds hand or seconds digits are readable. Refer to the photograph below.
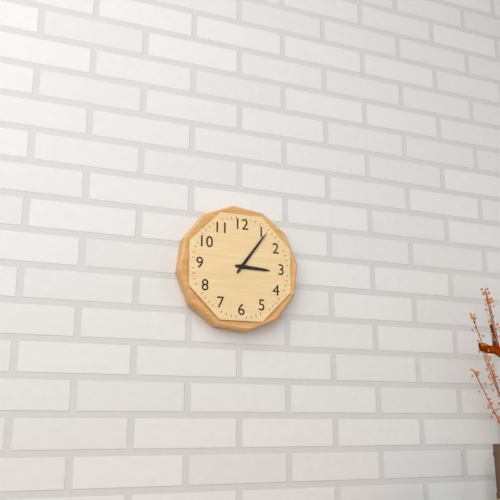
3:06
